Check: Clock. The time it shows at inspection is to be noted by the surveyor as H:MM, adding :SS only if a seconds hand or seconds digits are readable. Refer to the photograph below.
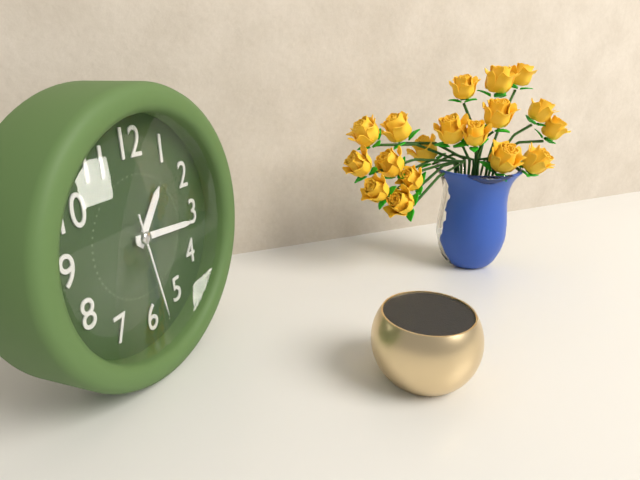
1:16:28
